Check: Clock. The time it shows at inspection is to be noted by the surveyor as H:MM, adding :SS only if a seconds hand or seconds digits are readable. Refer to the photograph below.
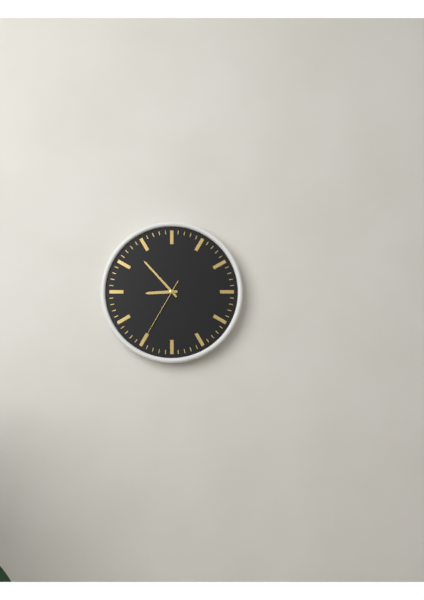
8:53:35
